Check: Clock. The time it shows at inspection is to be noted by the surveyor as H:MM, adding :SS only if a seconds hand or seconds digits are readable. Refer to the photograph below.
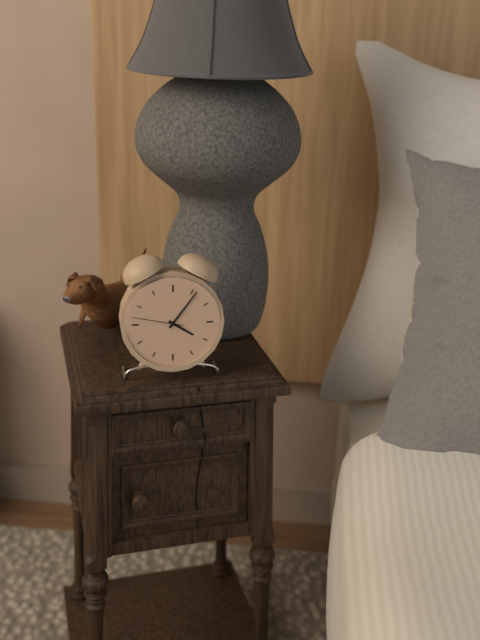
4:06:47
